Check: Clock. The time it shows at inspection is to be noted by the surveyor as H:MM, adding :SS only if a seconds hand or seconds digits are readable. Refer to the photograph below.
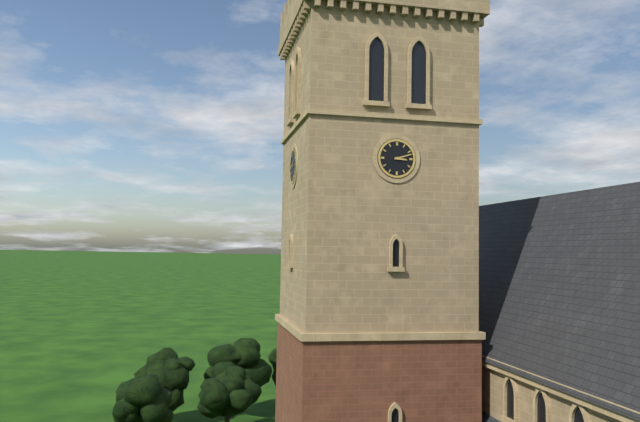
3:12
